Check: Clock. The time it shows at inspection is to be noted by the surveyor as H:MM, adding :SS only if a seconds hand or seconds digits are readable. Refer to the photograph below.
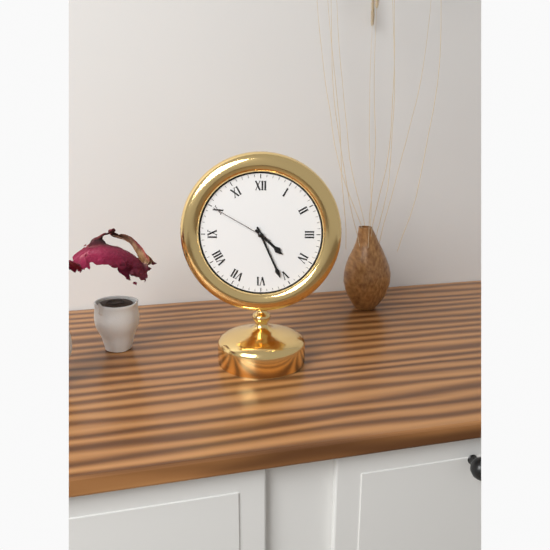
4:26:50
